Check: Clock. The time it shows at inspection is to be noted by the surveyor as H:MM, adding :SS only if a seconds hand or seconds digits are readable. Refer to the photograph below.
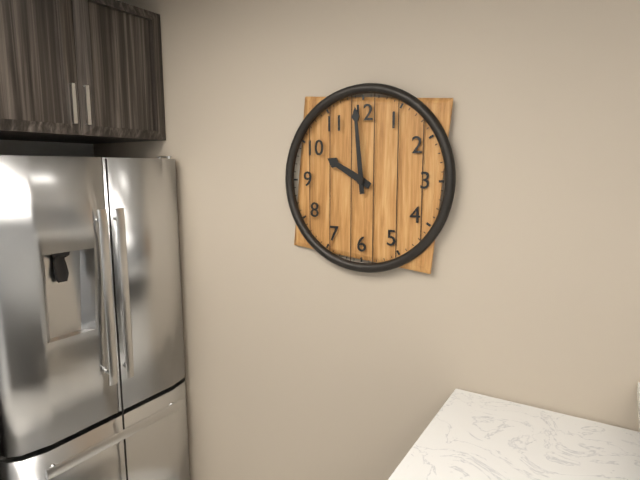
9:59
